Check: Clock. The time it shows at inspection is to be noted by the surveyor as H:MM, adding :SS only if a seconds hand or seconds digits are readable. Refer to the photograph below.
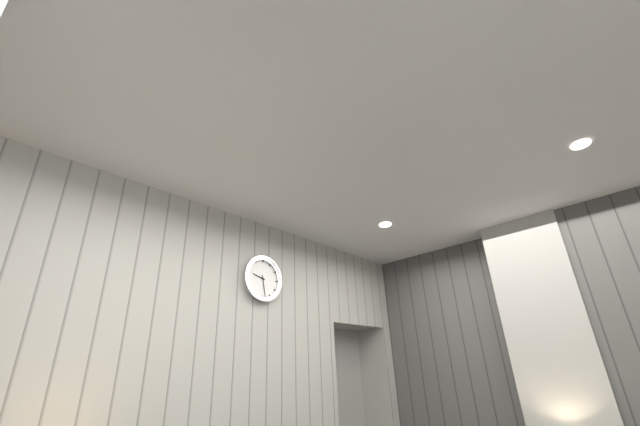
9:28
